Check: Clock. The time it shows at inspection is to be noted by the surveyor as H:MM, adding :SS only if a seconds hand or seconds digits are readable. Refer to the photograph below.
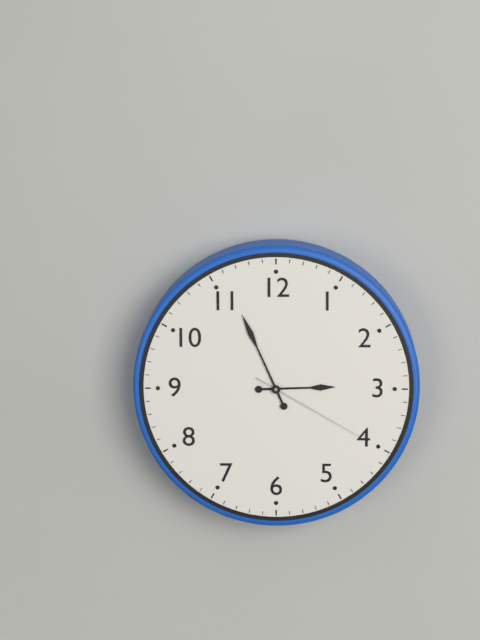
2:56:20
